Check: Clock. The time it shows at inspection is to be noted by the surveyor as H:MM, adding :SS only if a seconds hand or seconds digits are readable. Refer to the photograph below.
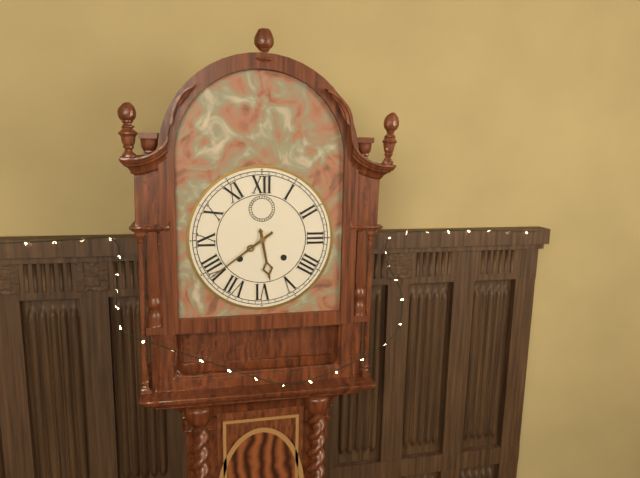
5:39
